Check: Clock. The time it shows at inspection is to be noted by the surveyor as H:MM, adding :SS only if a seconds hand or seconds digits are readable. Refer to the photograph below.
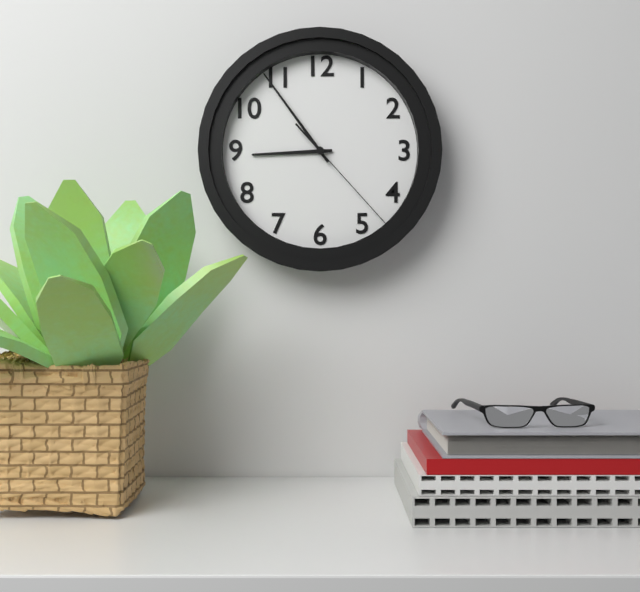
8:54:23
